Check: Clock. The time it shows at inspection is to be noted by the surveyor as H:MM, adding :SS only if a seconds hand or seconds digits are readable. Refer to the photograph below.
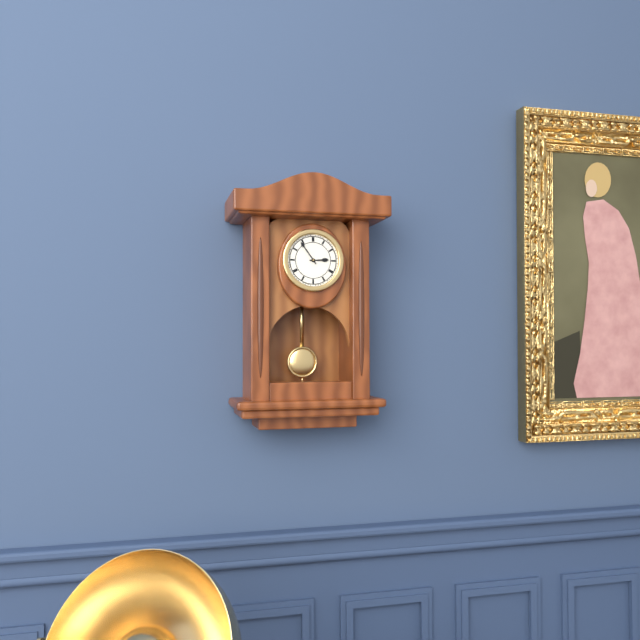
2:54
